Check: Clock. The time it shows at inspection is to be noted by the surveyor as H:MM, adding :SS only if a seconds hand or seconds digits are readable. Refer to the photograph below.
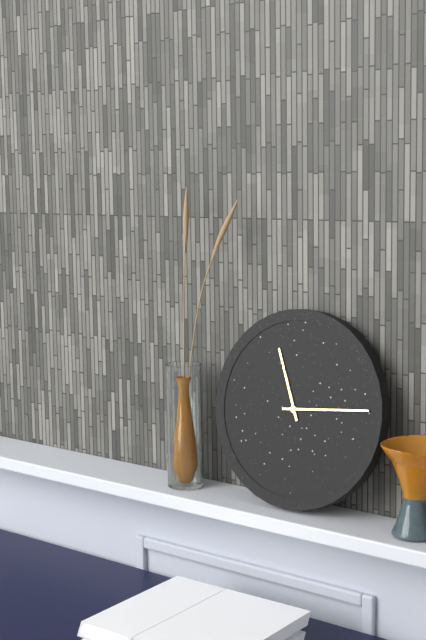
11:14
